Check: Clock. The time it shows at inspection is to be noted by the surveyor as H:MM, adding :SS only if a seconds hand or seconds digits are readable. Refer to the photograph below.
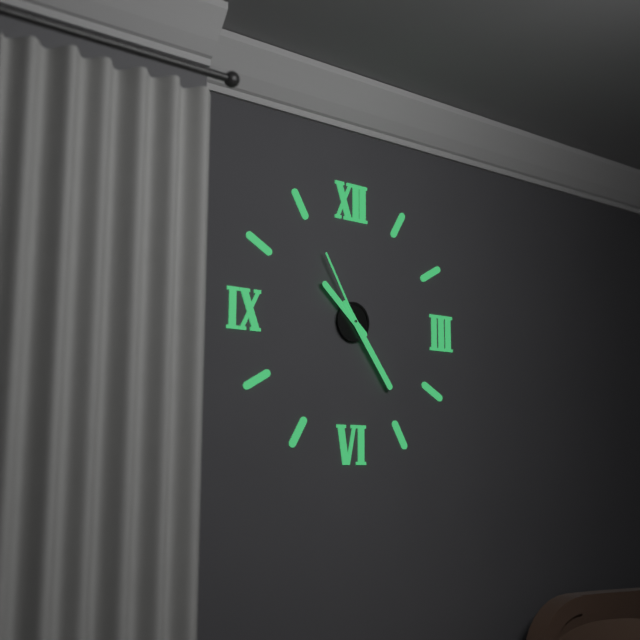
10:24:55
